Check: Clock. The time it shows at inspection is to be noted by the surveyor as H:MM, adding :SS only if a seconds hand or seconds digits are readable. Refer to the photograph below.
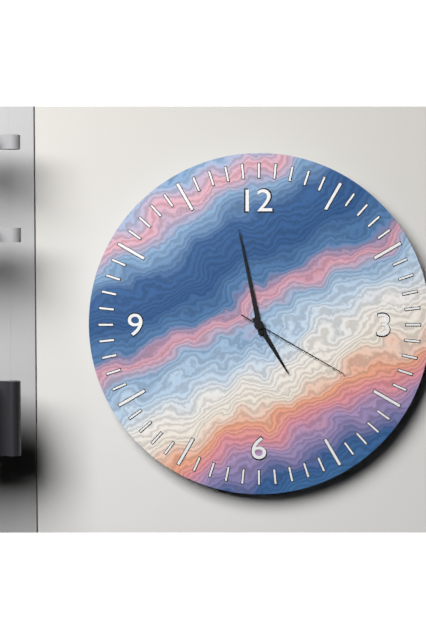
4:58:20
